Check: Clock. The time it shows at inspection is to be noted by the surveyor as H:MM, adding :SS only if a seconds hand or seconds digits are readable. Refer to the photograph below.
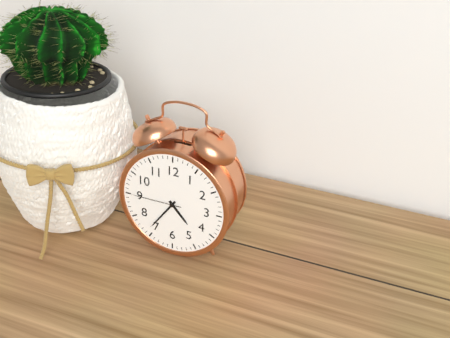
4:36:45
